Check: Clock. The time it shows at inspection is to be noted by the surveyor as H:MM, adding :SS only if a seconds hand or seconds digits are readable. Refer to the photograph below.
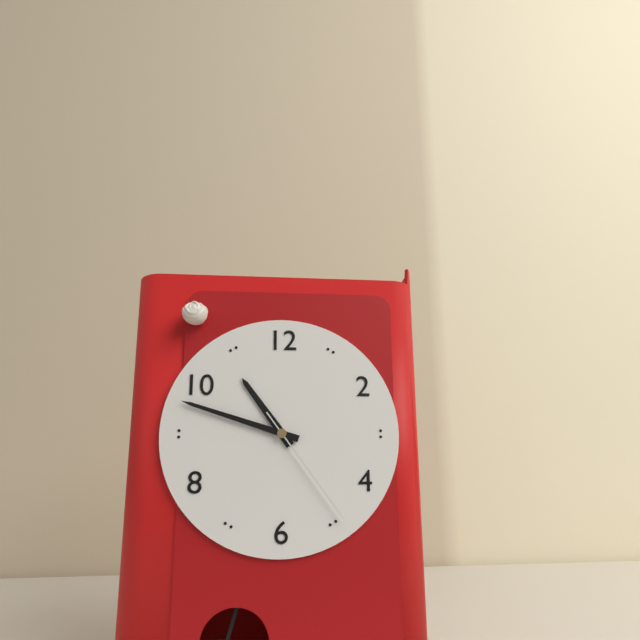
10:48:24
